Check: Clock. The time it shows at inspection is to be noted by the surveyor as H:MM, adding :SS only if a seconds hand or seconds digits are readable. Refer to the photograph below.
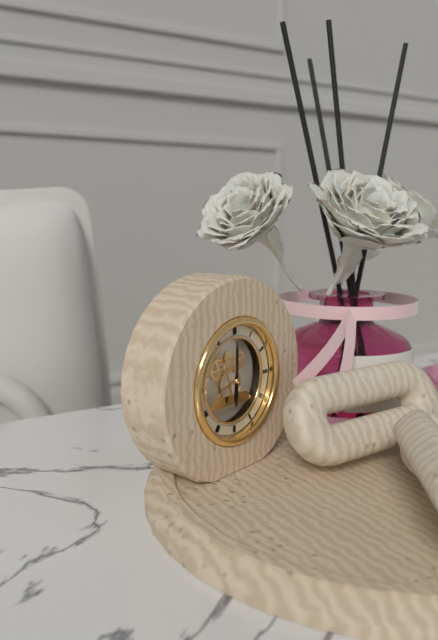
6:00
